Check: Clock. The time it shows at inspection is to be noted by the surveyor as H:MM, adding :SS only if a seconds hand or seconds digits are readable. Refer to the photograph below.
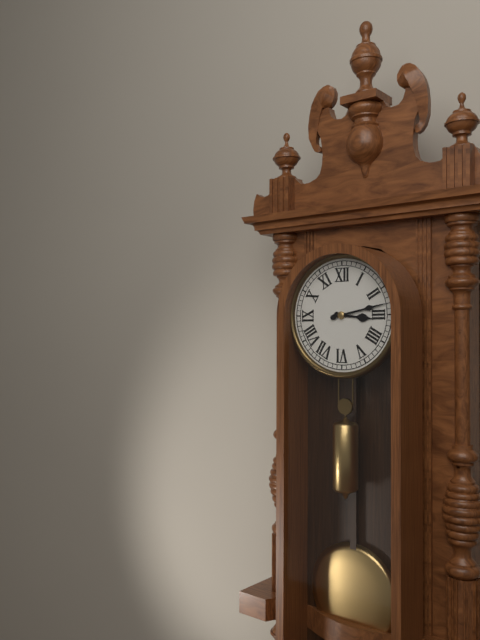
3:13
